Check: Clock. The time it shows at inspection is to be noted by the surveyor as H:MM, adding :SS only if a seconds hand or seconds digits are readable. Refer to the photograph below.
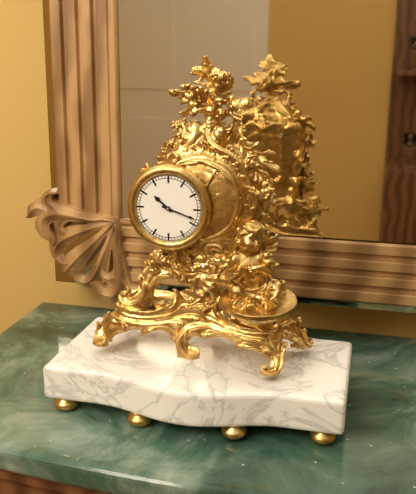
10:18
